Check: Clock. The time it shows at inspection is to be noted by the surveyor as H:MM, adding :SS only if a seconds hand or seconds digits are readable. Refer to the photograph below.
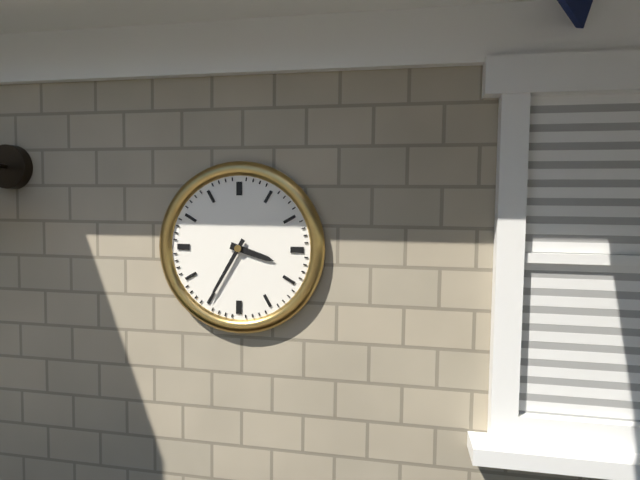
3:35
